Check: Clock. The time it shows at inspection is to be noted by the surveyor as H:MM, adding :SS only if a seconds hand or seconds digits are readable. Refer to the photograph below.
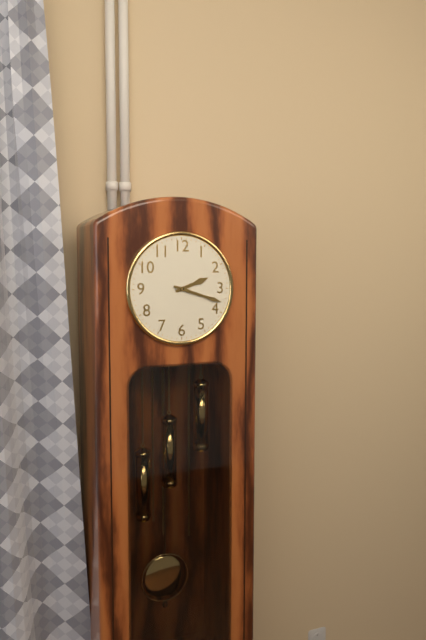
2:18
